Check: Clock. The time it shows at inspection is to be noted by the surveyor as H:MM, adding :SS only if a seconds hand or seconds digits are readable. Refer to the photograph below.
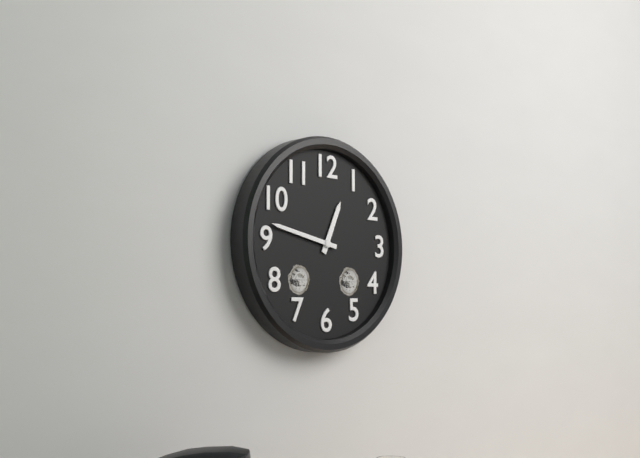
12:47
